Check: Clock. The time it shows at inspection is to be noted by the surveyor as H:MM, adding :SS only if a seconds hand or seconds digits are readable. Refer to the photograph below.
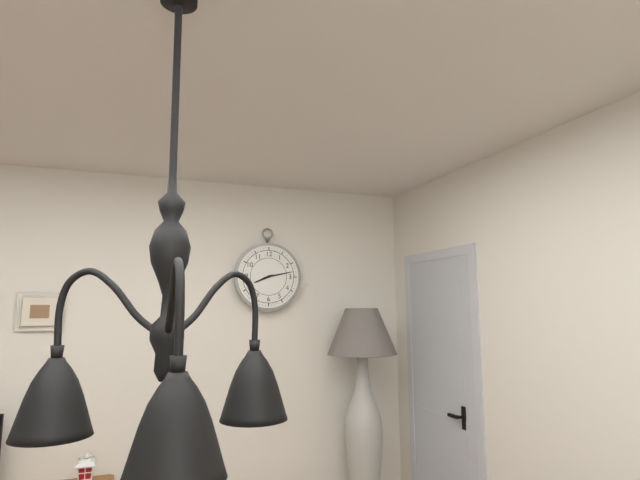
8:13
